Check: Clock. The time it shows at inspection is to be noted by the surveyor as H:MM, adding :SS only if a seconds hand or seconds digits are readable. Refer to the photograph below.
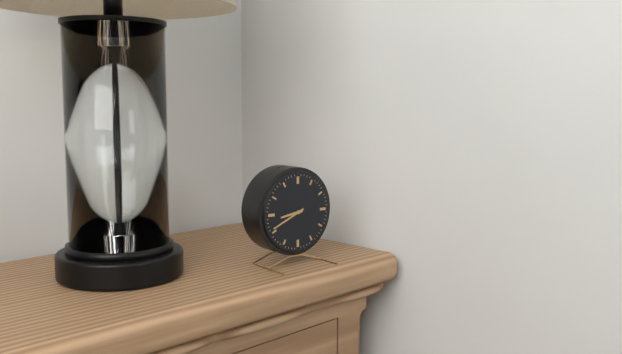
8:41
